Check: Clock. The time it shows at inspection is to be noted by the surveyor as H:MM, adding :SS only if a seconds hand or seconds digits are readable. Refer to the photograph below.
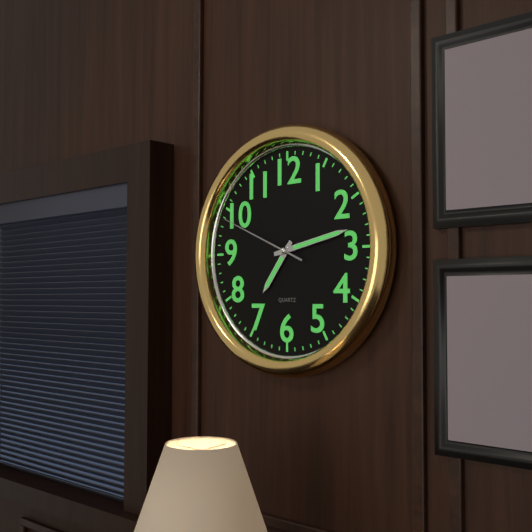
7:13:49
